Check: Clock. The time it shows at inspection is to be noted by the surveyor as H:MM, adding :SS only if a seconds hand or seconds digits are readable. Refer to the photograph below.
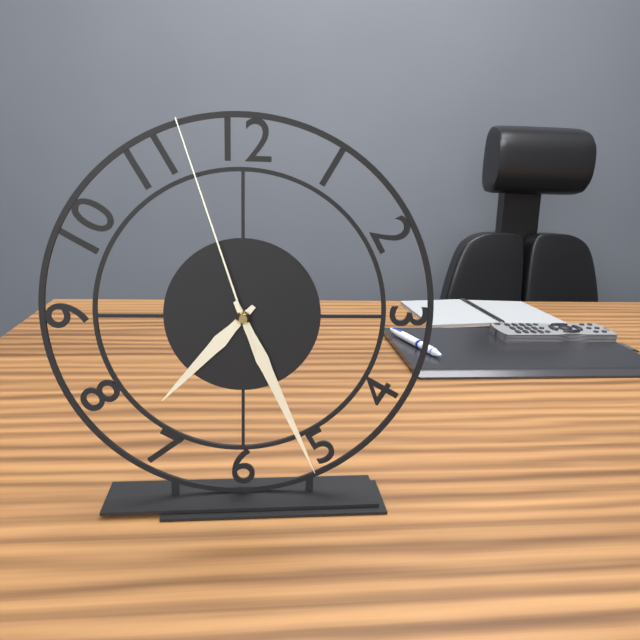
7:26:57
